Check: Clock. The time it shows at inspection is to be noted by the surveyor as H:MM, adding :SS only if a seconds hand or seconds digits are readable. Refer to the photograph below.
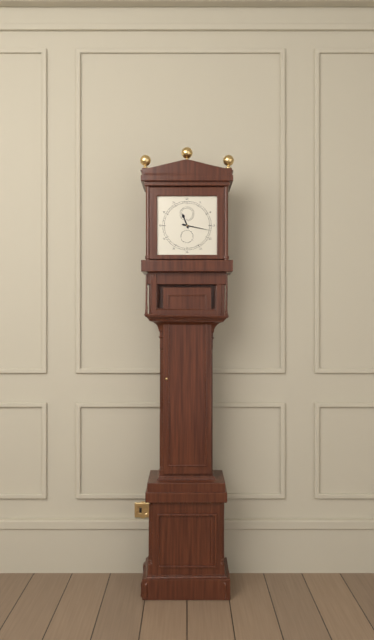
11:17
